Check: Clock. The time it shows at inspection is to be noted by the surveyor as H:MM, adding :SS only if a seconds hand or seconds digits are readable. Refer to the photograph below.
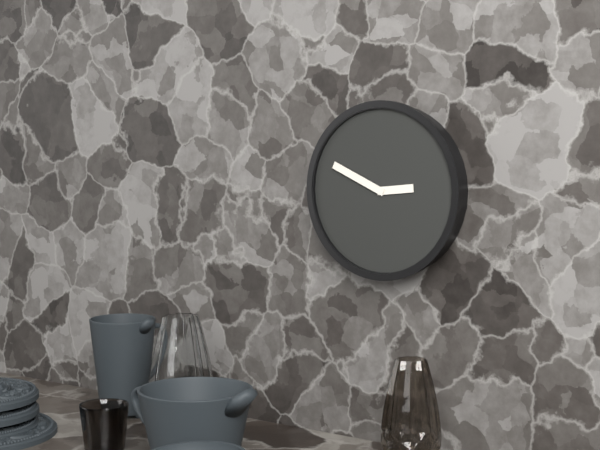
2:49
